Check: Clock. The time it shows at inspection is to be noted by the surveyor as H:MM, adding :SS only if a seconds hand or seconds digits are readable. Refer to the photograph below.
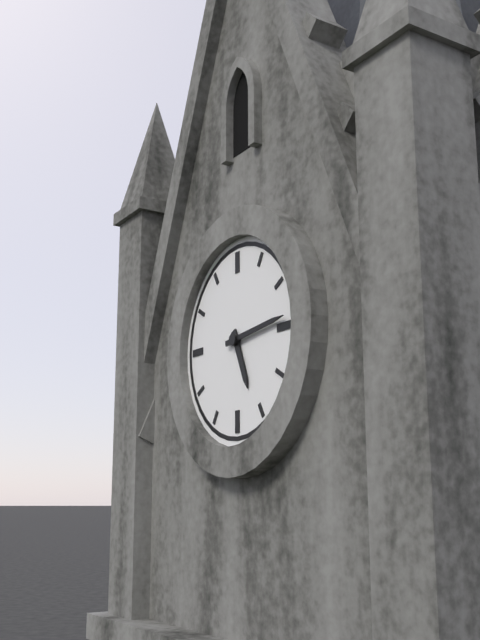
5:14
